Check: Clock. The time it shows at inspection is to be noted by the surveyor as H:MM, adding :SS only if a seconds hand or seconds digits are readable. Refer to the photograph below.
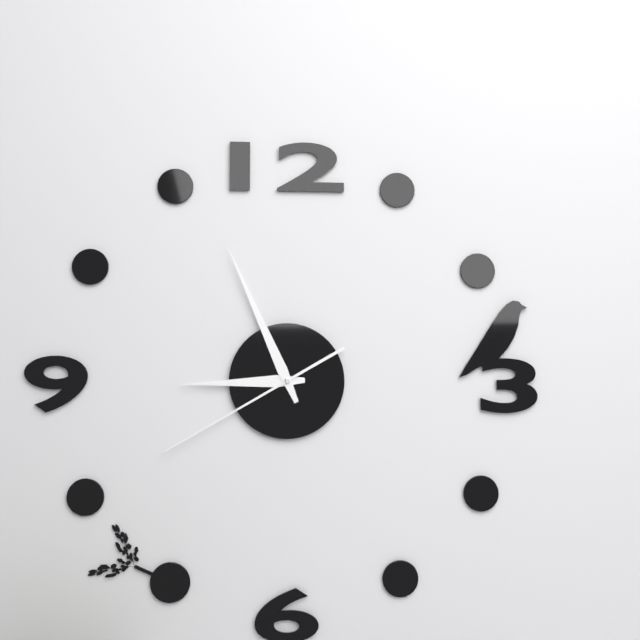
8:56:40
